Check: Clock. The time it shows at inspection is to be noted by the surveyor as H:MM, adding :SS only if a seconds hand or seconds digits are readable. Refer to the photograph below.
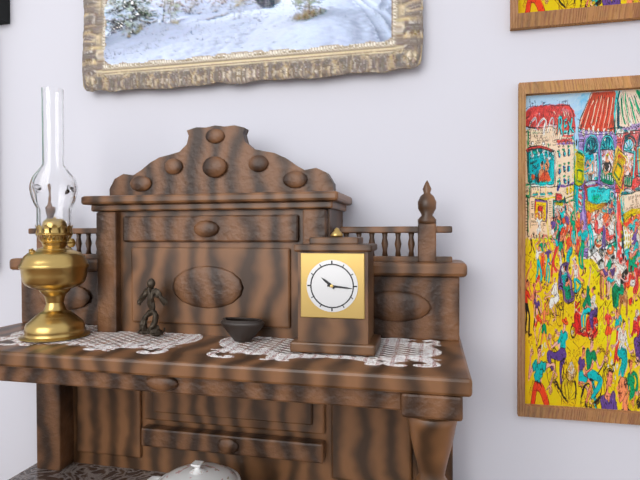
10:16
